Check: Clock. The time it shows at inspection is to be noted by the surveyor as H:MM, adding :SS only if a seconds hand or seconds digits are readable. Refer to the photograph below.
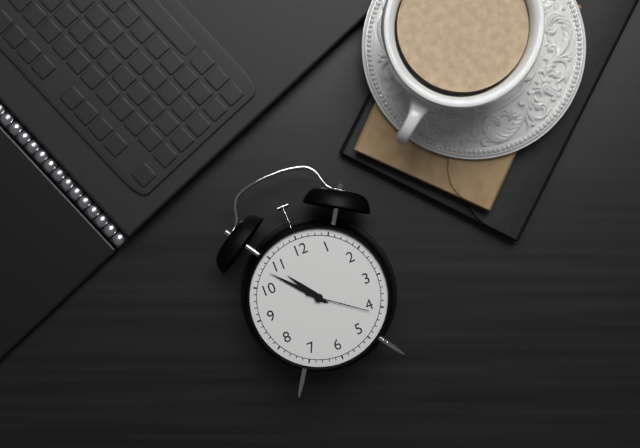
10:53:21
